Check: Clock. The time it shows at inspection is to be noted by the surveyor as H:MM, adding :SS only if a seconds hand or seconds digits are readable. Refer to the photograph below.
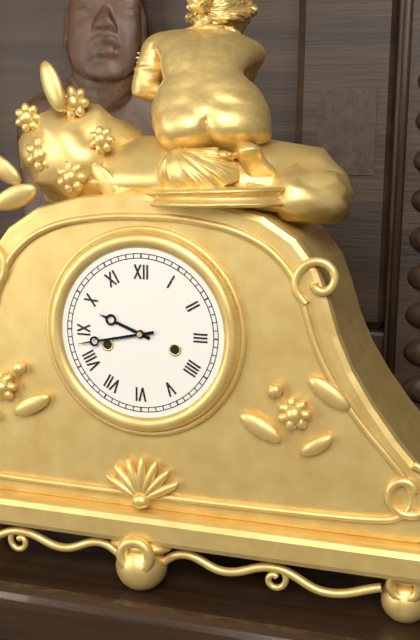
9:43
